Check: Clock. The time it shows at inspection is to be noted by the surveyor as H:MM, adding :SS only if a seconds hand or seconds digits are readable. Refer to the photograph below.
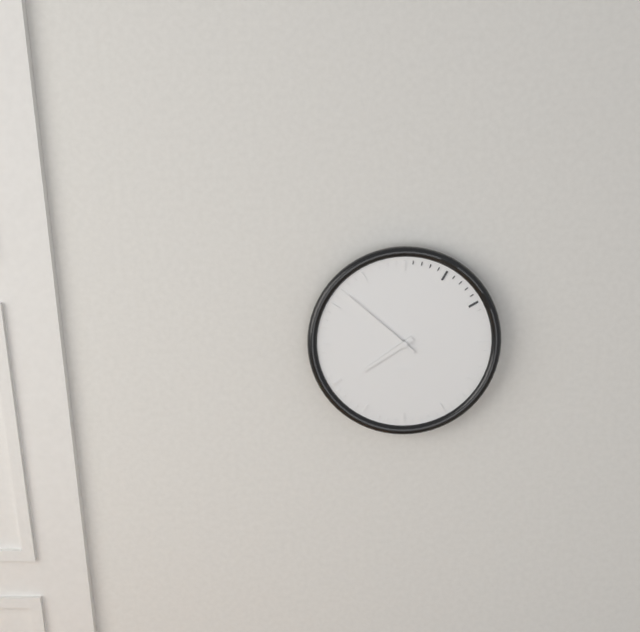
7:52
